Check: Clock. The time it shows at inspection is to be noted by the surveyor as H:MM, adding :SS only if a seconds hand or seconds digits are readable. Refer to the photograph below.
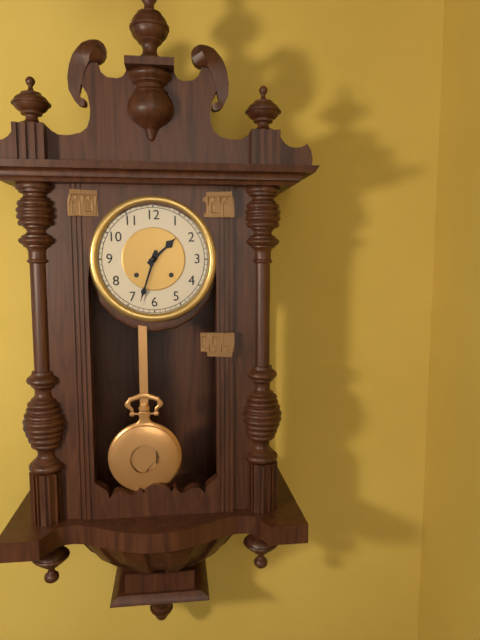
1:33
